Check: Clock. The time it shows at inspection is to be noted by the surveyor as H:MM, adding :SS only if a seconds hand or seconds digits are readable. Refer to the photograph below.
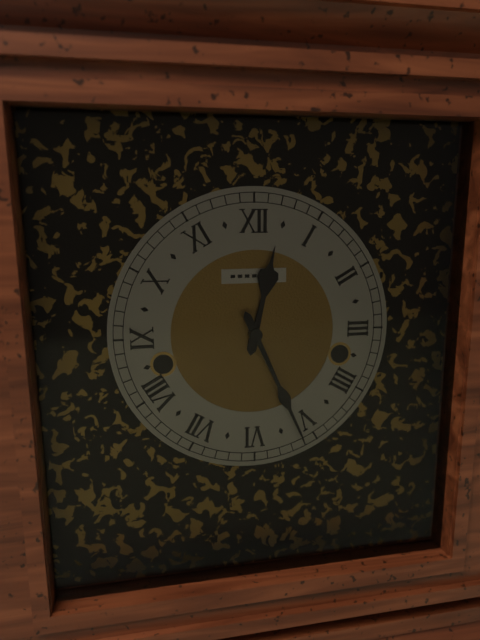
12:26
